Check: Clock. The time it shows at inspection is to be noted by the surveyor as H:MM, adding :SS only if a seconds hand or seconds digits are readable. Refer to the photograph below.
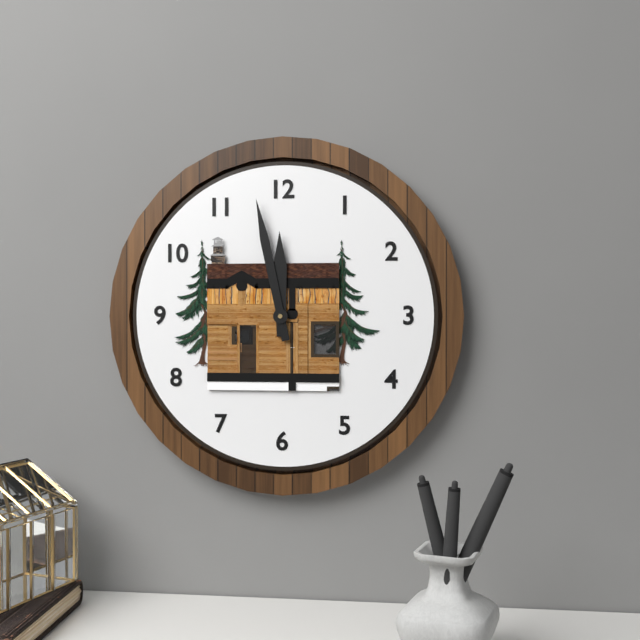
11:58
